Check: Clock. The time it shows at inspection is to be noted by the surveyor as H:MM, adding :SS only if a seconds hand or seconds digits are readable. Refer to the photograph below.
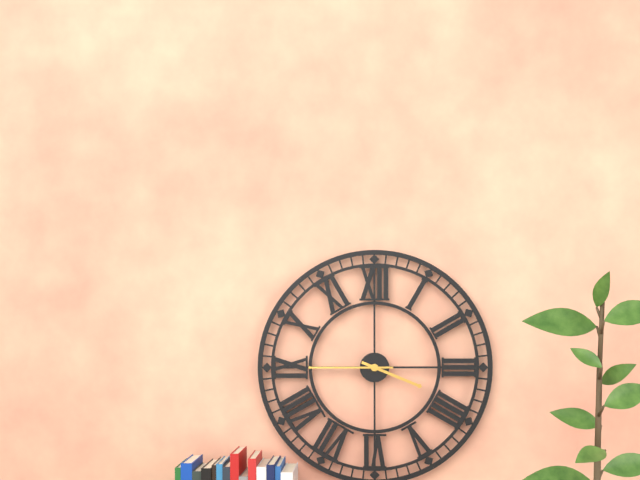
3:45
